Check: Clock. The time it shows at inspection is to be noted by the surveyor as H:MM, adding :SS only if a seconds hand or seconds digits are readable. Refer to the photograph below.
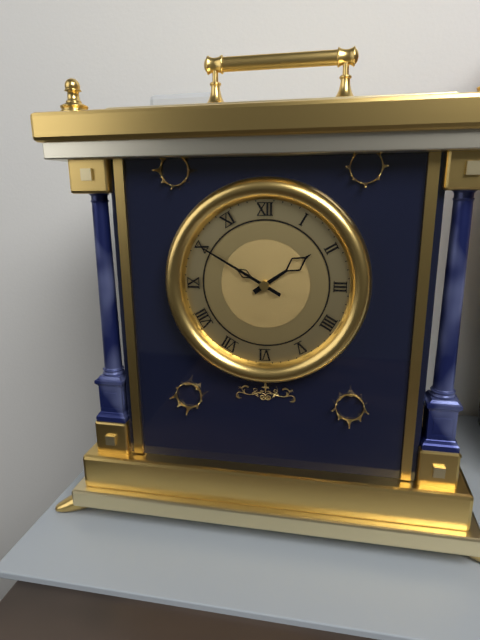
1:50
